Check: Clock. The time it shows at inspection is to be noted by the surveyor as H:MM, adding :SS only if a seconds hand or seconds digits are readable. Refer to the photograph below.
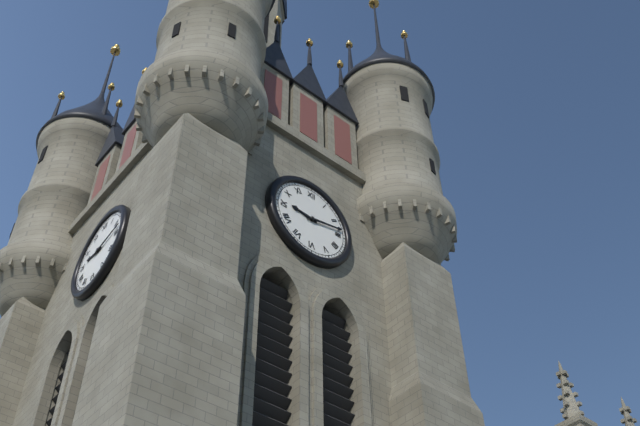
9:13
